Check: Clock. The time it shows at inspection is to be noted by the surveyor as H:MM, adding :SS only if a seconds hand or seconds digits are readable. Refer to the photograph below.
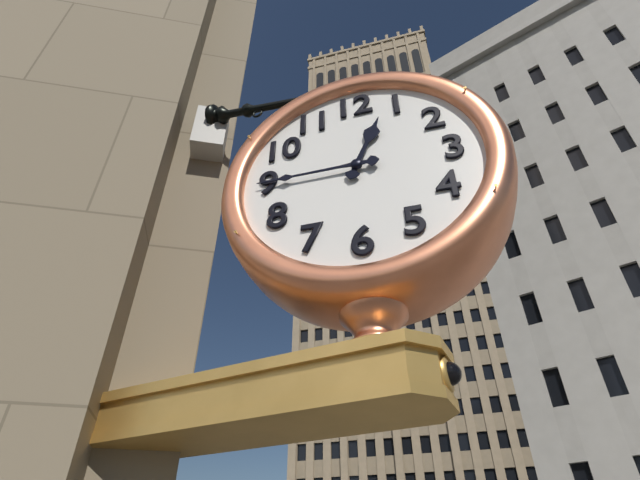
12:45
